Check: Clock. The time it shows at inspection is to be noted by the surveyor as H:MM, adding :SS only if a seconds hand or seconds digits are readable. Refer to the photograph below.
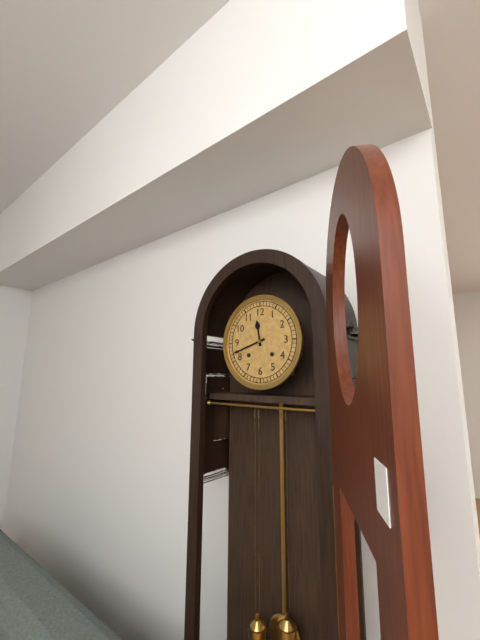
11:42
